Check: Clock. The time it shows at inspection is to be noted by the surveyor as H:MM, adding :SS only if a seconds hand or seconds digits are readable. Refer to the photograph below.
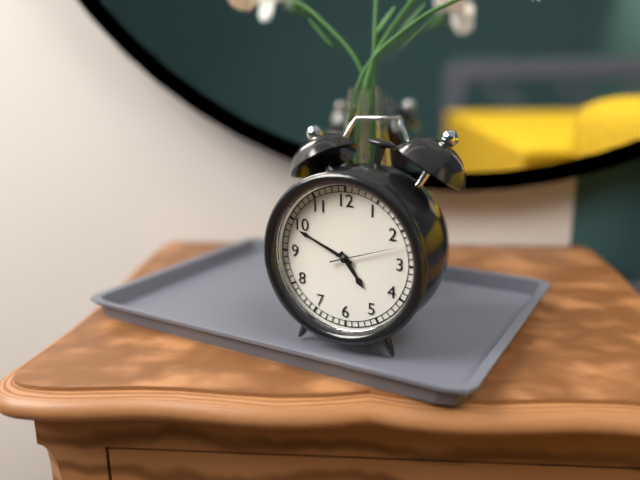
4:49:12
